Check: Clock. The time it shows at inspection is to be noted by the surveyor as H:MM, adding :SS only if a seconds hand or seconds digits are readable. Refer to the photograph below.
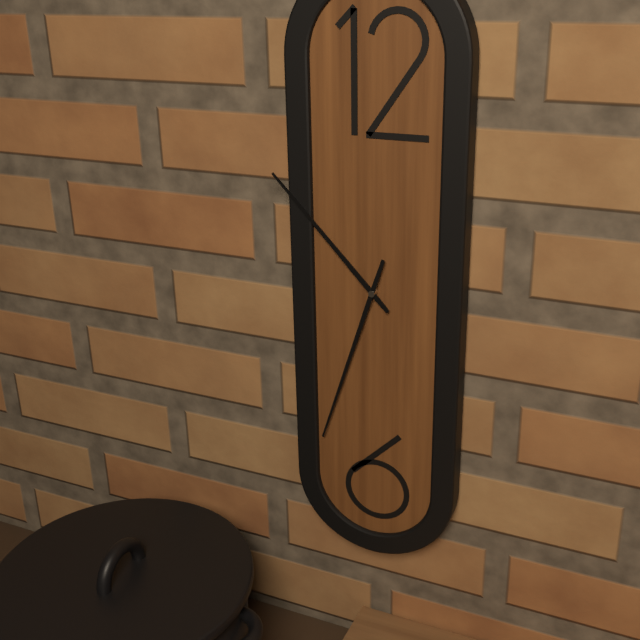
10:33
